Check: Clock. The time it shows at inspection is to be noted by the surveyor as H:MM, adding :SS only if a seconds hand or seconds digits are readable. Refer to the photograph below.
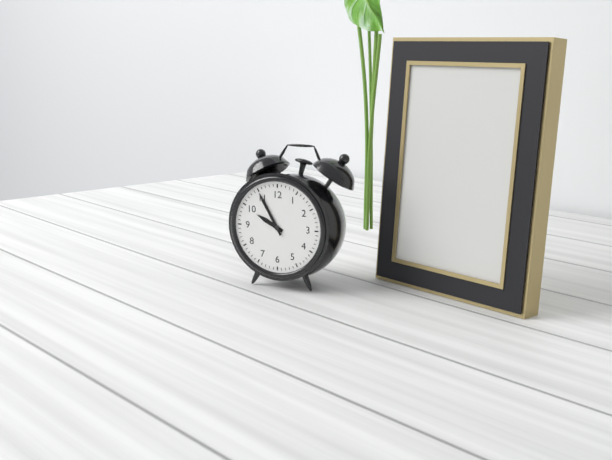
9:55
